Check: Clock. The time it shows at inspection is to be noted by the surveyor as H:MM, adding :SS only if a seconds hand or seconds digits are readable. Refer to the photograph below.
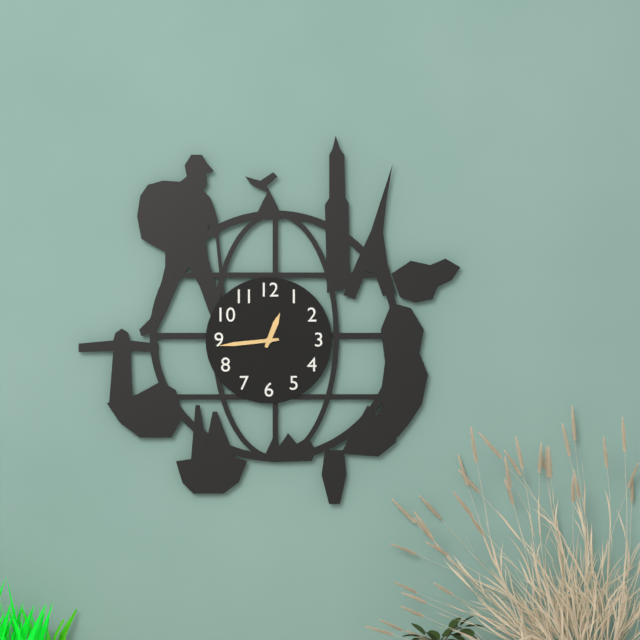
12:44
